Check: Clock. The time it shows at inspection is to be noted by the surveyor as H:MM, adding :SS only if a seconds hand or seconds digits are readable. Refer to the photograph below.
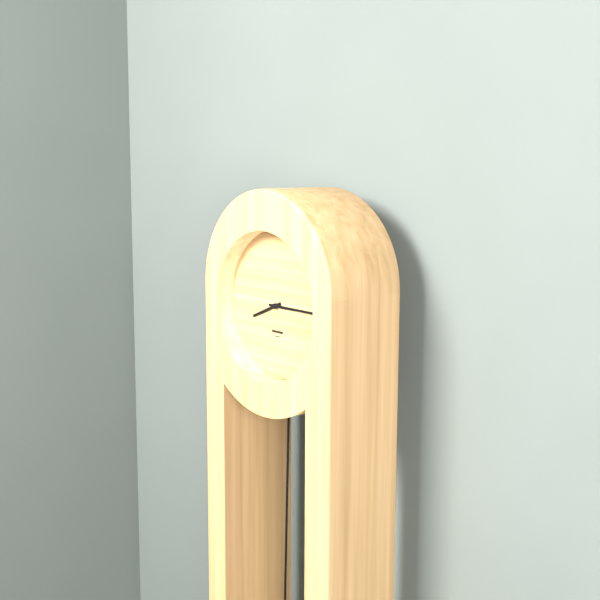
8:15
